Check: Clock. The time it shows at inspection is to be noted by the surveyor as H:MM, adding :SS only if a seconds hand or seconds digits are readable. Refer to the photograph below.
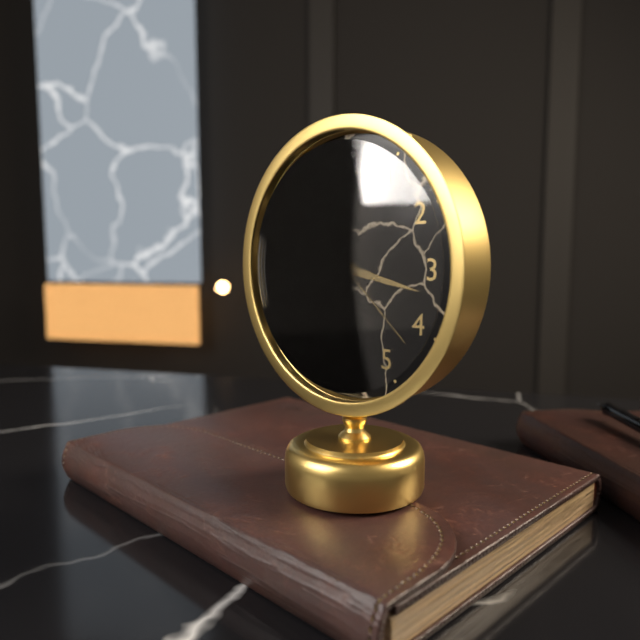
8:17:22
